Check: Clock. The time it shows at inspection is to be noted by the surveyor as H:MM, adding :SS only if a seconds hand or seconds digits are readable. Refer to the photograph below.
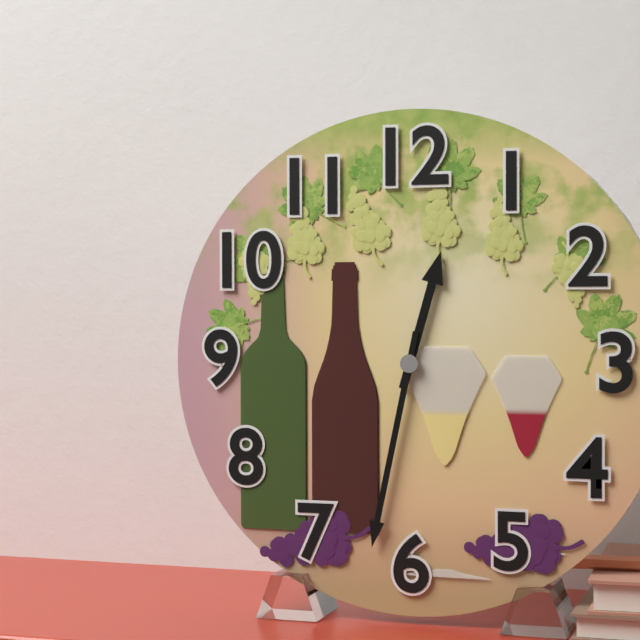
12:32
